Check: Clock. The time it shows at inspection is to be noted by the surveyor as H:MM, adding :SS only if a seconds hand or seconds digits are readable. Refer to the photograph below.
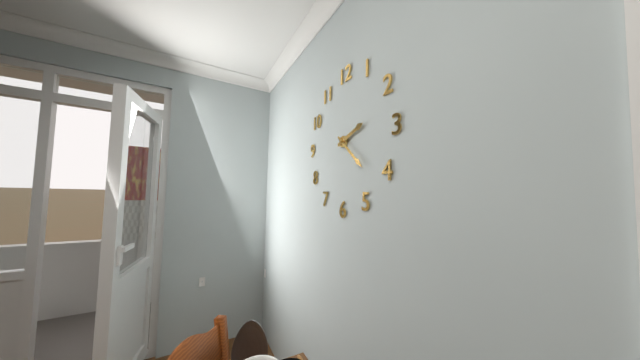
2:22
